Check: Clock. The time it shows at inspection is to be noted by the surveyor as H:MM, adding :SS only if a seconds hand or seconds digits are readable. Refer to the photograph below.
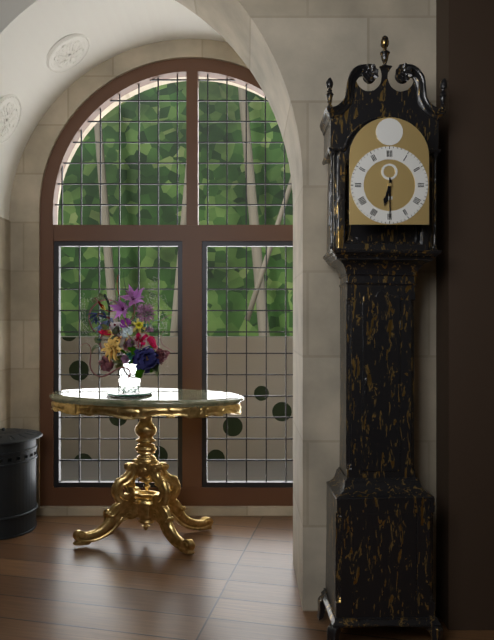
6:30
